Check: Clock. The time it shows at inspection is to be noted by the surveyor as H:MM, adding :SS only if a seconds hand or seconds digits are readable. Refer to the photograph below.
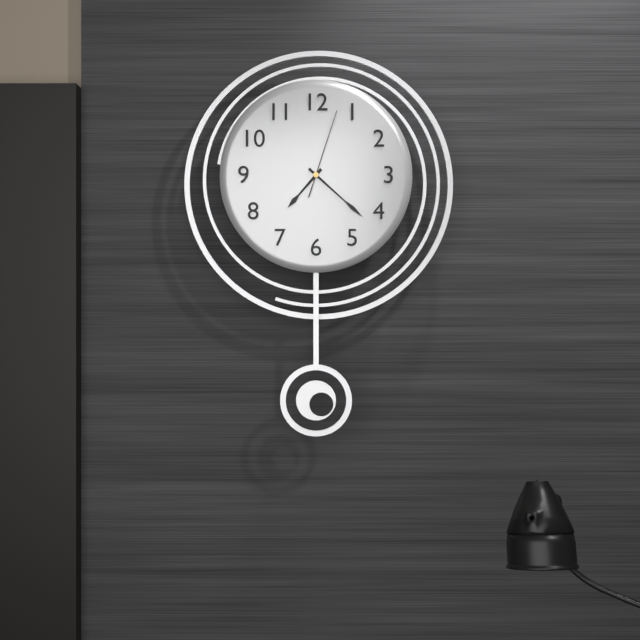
7:22:03
